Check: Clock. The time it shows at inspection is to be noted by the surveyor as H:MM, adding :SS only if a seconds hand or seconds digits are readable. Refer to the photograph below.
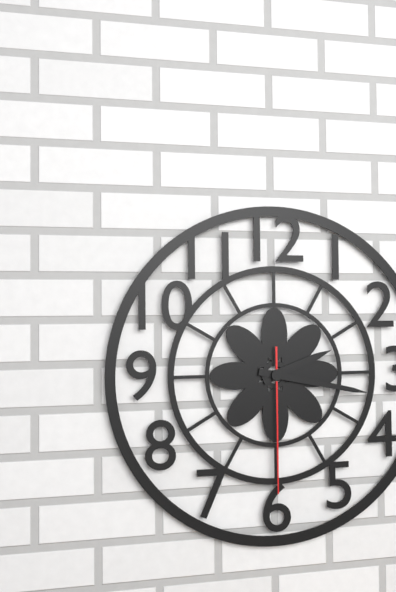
2:17:30
